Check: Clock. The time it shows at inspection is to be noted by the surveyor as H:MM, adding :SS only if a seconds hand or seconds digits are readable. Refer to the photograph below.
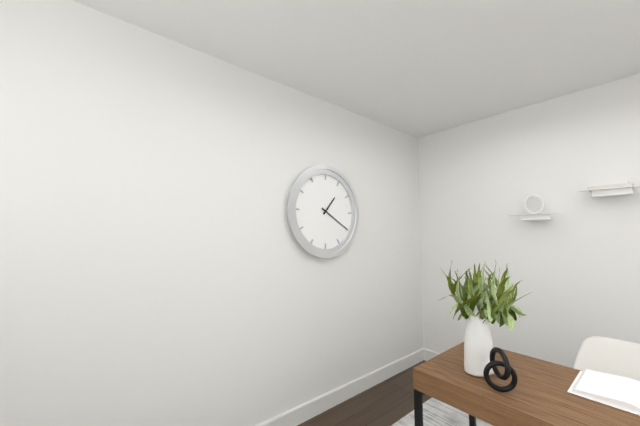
1:20
